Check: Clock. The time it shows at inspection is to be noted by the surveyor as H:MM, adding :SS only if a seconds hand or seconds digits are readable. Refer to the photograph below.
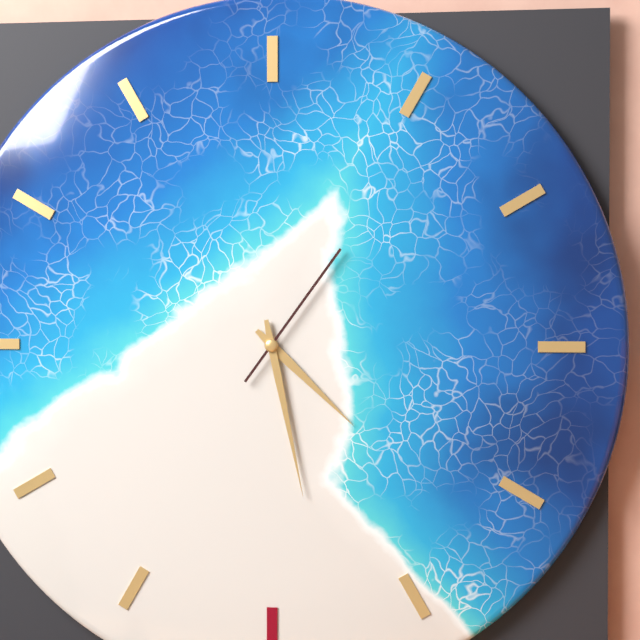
4:28:06
